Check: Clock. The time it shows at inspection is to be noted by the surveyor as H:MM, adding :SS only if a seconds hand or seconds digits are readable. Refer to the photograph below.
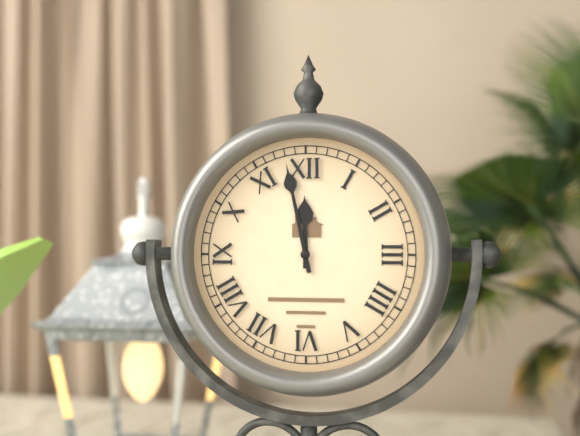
11:58
